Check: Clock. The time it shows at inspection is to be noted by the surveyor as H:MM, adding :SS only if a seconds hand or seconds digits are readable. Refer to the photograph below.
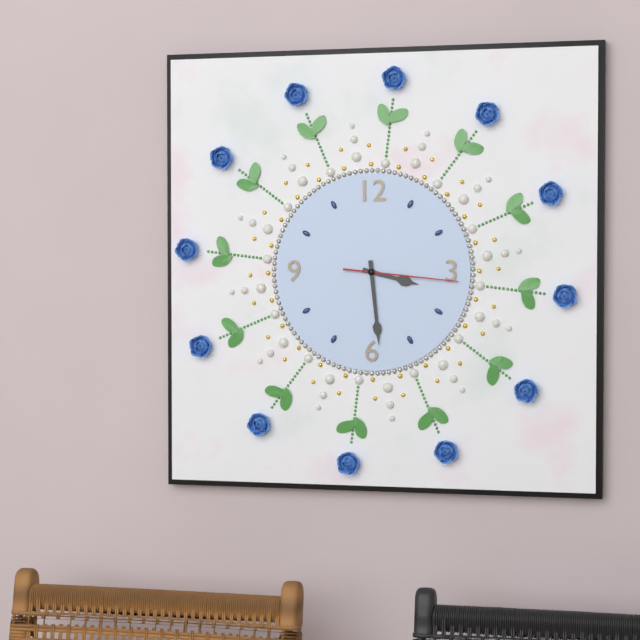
3:29:16
